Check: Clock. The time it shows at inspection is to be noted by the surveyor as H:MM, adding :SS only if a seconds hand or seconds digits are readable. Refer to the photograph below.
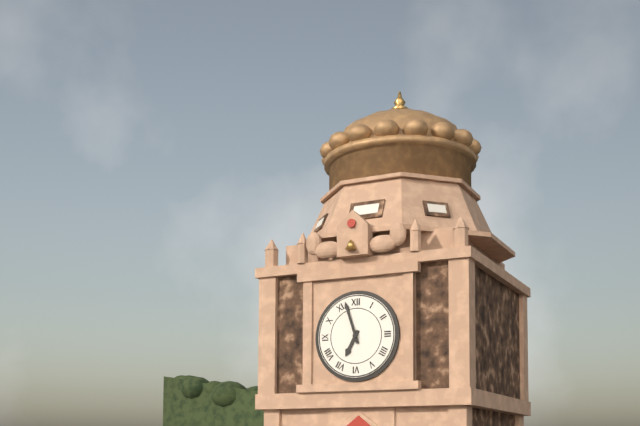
6:57
